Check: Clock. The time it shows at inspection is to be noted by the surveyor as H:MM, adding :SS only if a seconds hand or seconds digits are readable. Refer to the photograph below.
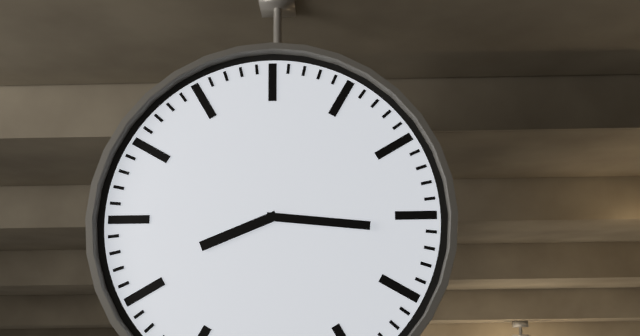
8:16
